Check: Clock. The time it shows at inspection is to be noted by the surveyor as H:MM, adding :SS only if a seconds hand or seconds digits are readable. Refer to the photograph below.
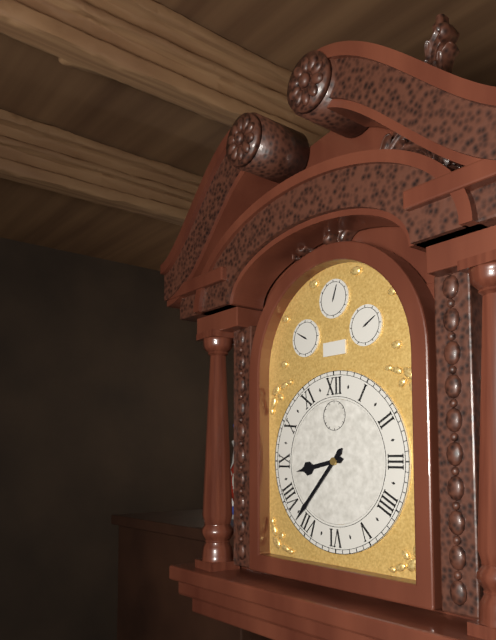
8:37
